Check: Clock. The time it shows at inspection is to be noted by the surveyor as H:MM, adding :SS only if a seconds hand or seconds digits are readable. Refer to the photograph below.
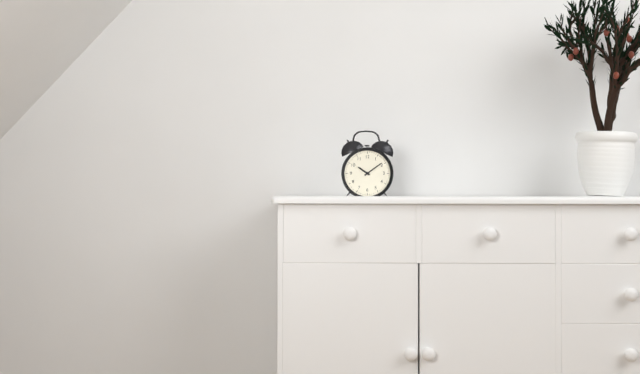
10:09
